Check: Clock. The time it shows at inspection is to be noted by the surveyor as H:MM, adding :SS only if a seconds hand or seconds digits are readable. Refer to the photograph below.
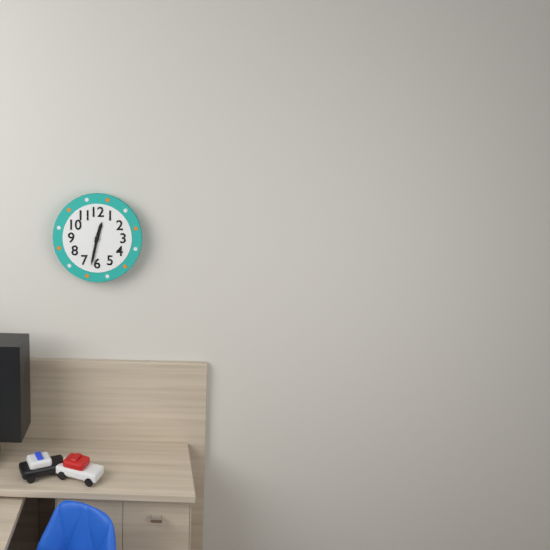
12:32
